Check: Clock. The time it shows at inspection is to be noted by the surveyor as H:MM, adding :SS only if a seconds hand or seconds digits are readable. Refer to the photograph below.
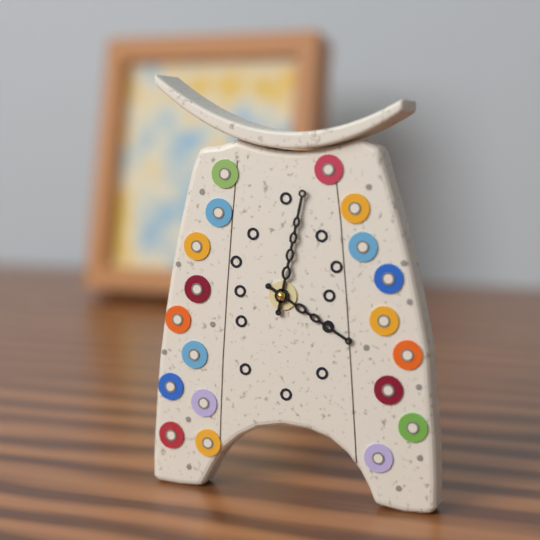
4:02
